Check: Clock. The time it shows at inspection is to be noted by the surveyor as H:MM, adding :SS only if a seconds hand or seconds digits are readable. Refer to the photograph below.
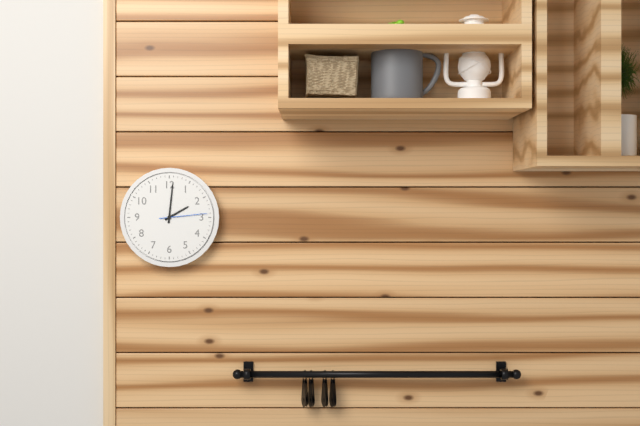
2:01:14
